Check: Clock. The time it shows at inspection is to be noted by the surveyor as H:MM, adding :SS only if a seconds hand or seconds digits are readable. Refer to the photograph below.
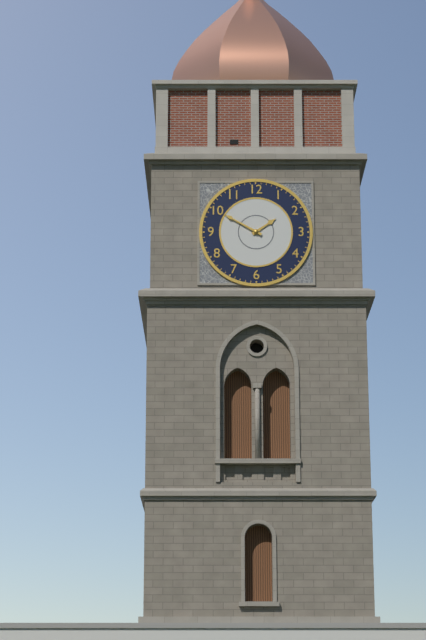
1:50
